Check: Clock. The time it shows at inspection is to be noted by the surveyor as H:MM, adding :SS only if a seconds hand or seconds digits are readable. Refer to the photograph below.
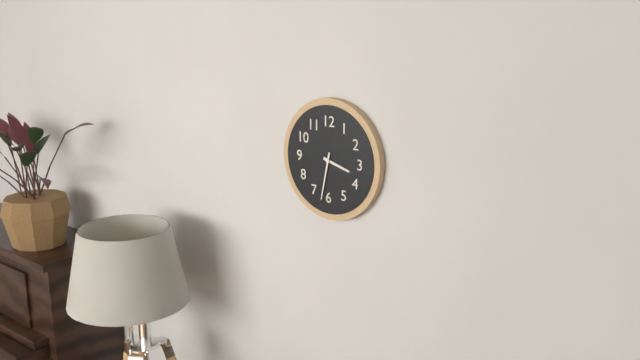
3:32
